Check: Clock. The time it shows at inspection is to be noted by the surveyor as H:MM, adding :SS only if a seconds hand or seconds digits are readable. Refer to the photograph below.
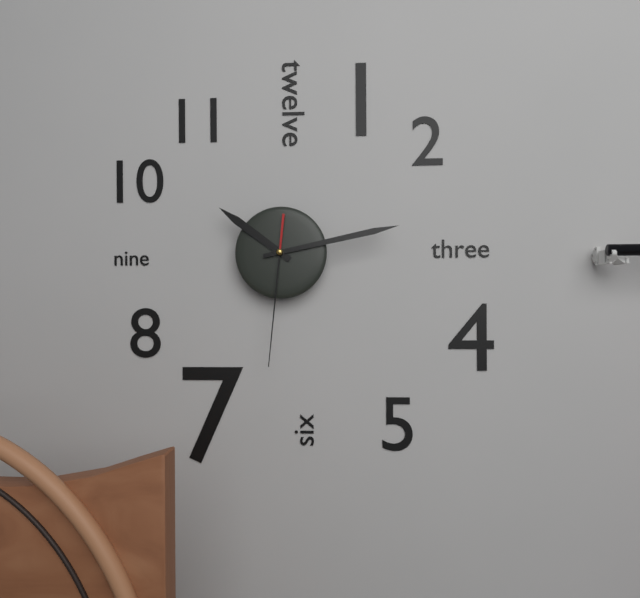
10:13:31
